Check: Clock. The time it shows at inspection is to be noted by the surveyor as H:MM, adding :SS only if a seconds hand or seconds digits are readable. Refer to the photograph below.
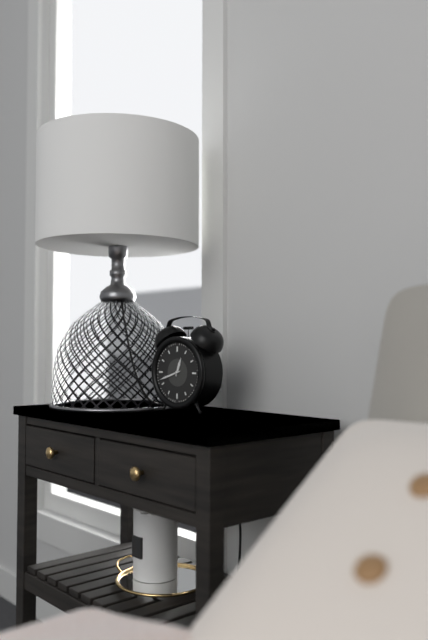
12:42
